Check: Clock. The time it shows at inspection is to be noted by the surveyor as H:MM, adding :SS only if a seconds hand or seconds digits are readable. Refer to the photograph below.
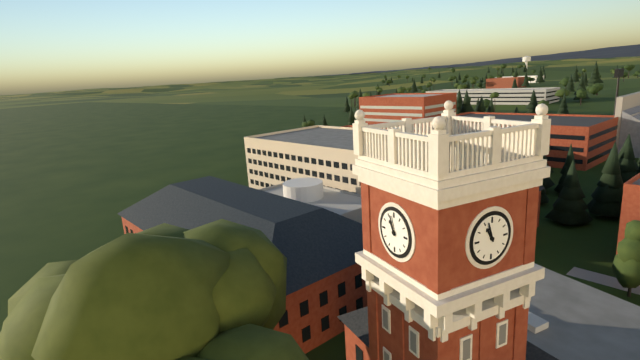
10:57
